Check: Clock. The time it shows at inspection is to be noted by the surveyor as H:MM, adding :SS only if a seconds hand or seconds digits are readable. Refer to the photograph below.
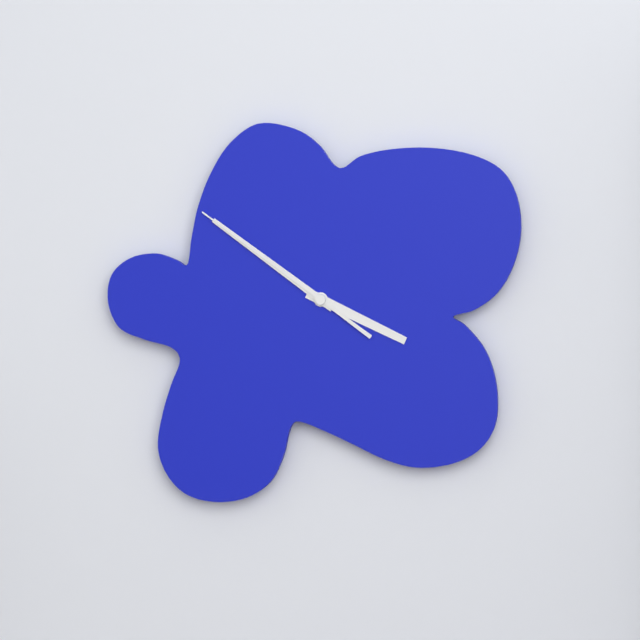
3:51:51
